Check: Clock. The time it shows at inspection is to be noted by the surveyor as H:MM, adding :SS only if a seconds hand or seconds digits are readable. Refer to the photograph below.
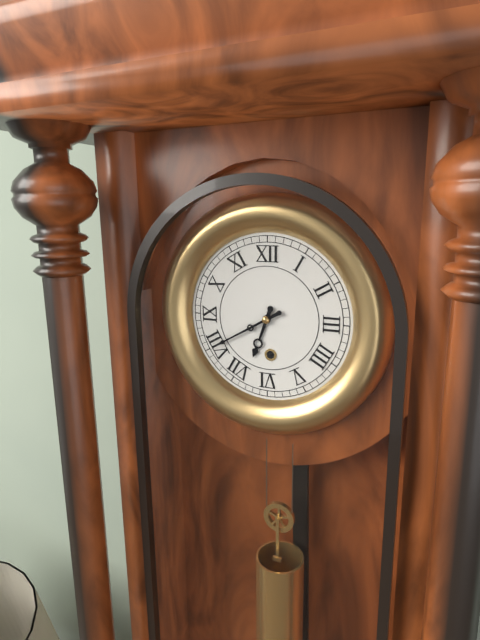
6:40
